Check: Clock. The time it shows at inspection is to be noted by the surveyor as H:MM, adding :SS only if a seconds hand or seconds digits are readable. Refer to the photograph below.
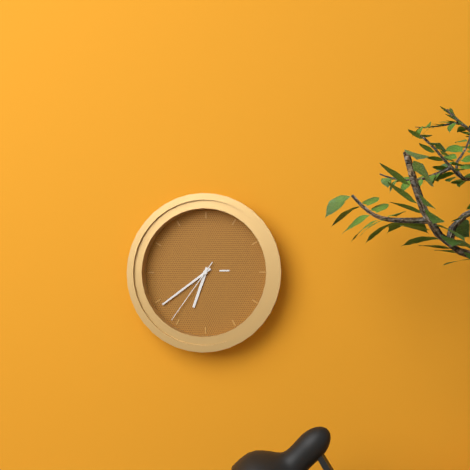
6:39:36
